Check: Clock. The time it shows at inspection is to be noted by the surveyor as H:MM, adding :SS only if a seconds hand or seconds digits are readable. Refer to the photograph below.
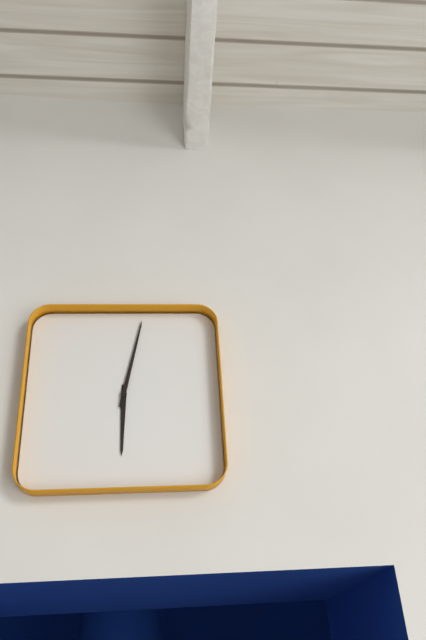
6:02
